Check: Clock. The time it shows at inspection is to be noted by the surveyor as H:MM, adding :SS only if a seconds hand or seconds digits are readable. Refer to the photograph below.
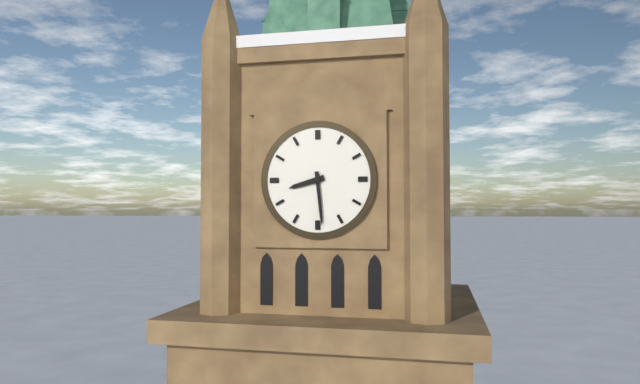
8:29
